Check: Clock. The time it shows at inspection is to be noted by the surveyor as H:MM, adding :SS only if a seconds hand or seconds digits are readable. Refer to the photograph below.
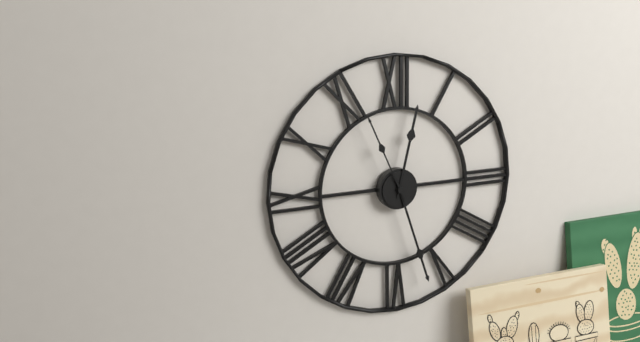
12:27:56
